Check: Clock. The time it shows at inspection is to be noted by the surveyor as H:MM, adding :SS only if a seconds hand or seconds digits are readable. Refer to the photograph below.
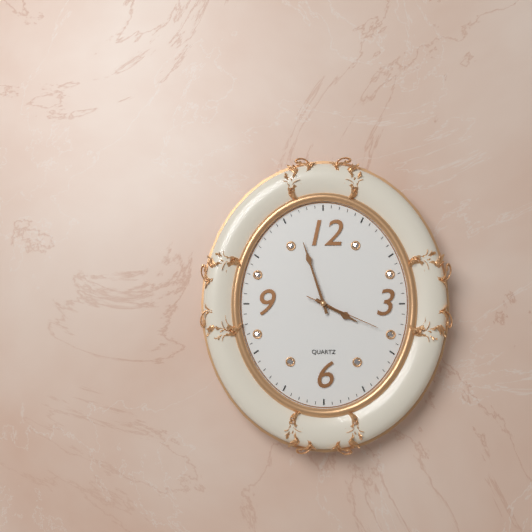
3:57:19
